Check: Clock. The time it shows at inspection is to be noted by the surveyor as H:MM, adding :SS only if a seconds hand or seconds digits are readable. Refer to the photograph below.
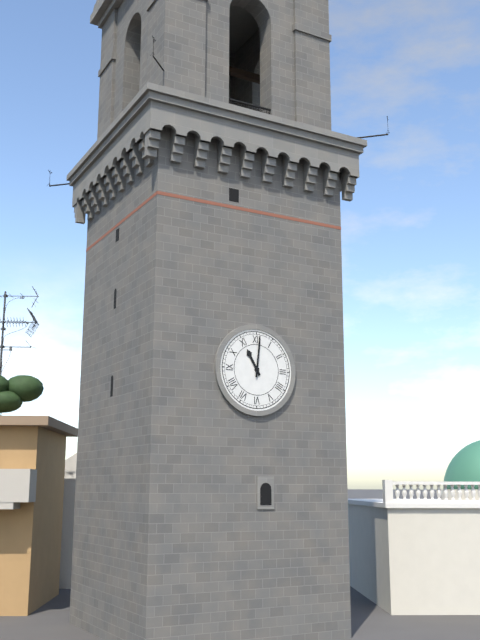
11:01
